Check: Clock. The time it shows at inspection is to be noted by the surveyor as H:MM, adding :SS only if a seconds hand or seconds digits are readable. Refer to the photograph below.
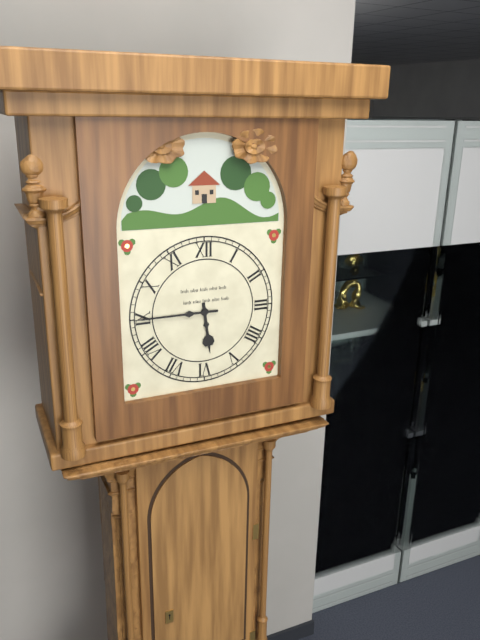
5:45
